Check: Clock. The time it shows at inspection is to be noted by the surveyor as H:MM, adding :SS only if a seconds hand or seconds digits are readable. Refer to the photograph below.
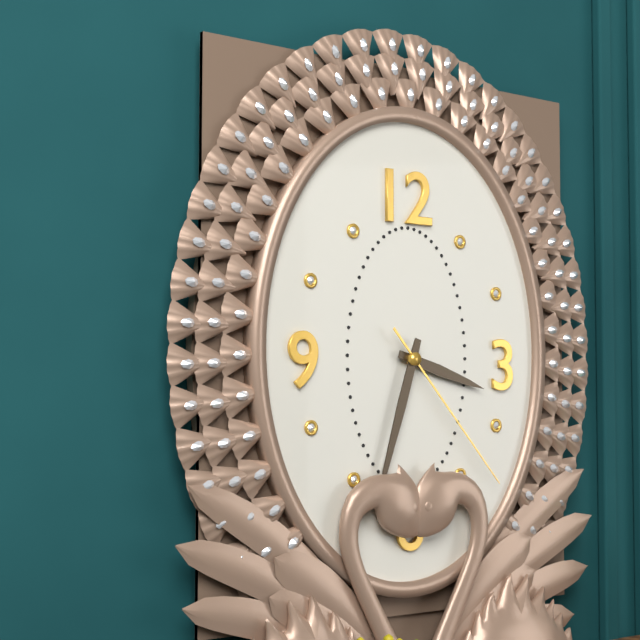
3:33:23
